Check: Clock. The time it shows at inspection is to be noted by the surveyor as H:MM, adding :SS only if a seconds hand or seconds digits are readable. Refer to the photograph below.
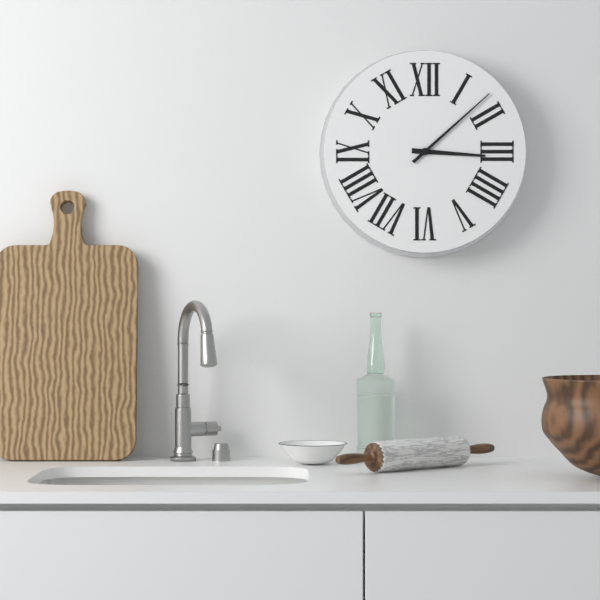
3:08
